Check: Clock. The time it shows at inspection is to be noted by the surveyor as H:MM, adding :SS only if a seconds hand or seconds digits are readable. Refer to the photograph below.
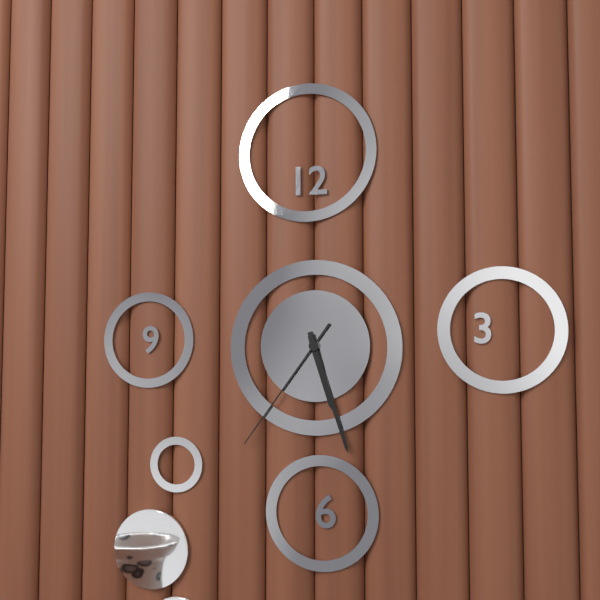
5:27:36
